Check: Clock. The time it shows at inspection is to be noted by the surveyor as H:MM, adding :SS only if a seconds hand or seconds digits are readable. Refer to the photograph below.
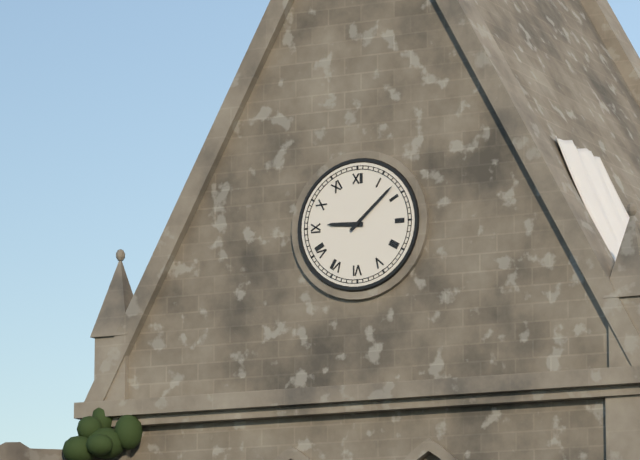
9:08
